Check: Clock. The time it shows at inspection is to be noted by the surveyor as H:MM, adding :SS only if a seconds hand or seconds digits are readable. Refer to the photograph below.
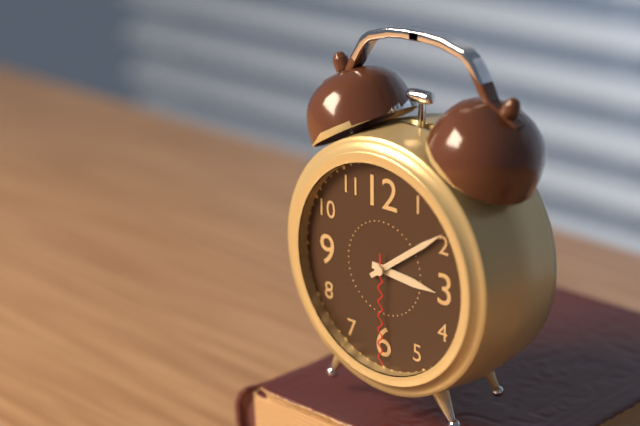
3:09:30
